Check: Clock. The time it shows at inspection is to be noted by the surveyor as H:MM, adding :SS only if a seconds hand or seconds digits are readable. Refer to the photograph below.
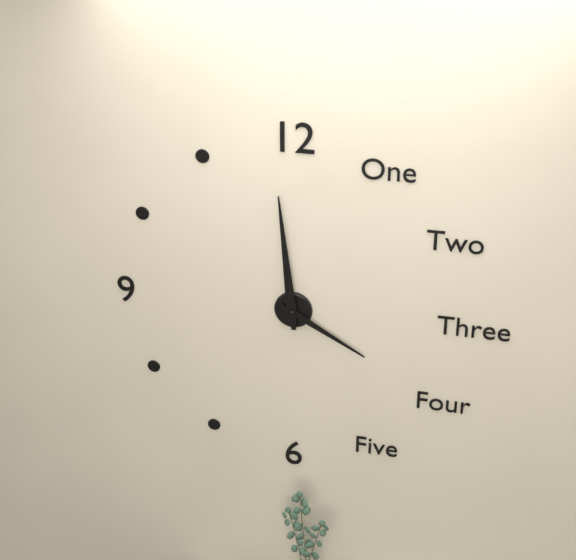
3:59
